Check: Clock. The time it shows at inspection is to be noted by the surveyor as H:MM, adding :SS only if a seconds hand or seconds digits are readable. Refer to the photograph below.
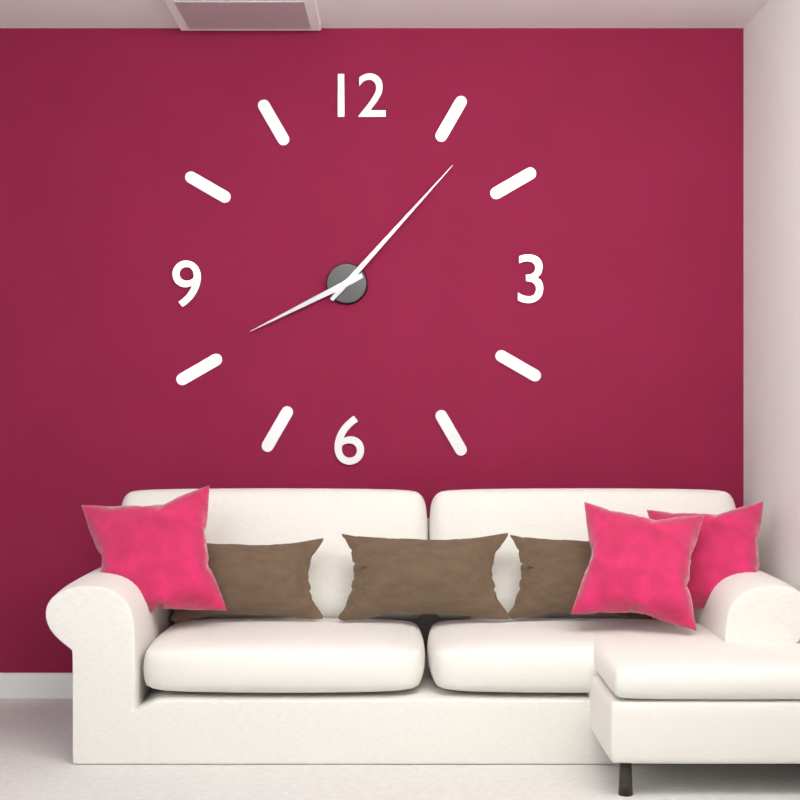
8:07
